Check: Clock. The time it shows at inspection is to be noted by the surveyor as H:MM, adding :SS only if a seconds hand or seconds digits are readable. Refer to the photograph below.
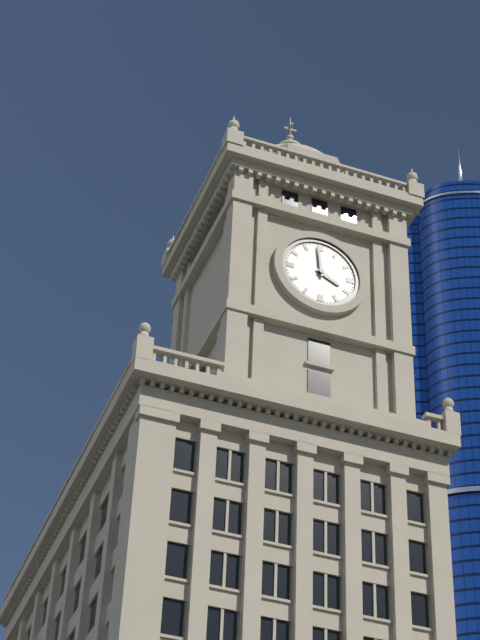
3:59
